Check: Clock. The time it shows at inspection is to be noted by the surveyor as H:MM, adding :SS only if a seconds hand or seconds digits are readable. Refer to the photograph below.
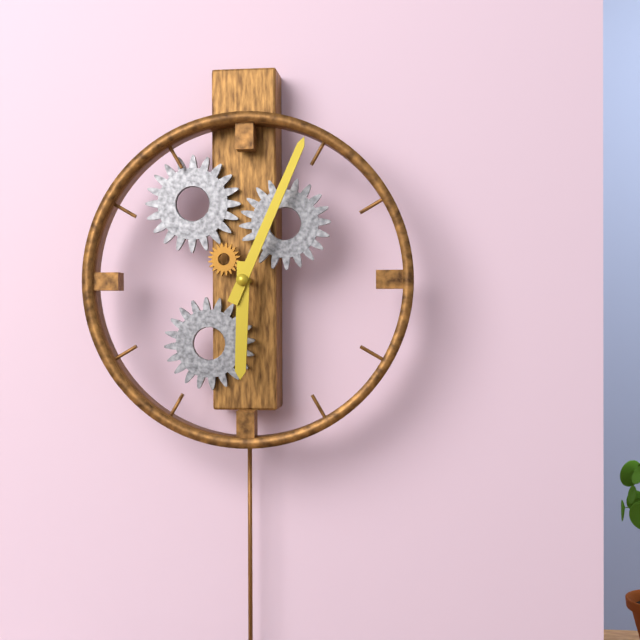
6:04
